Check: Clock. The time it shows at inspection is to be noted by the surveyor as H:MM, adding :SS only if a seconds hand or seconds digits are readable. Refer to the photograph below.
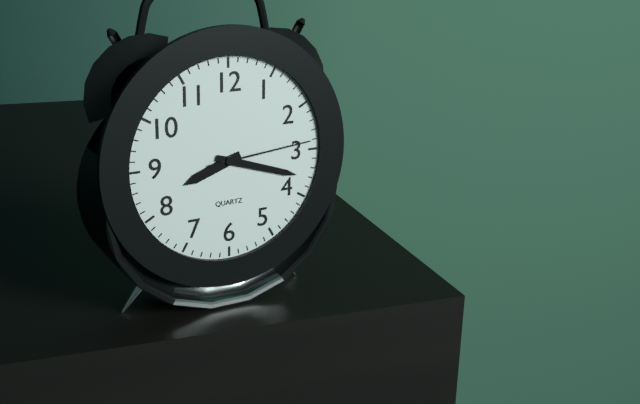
8:18:14
